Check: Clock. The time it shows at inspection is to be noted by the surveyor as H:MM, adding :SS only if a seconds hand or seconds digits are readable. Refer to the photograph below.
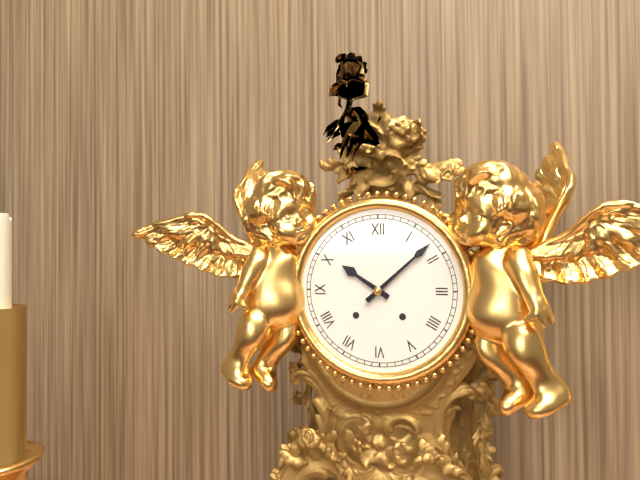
10:08
